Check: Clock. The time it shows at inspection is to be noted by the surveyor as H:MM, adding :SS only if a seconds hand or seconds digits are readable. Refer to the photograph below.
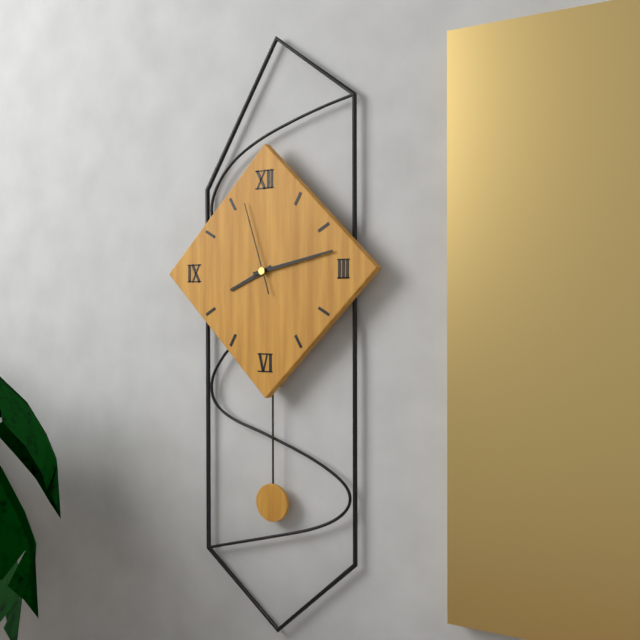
8:13:57
